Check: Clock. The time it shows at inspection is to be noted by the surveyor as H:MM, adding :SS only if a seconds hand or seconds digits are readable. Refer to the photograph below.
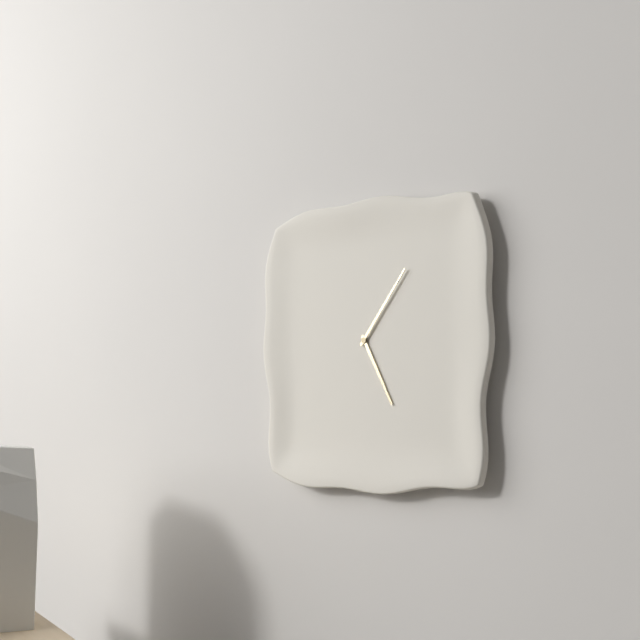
5:06
